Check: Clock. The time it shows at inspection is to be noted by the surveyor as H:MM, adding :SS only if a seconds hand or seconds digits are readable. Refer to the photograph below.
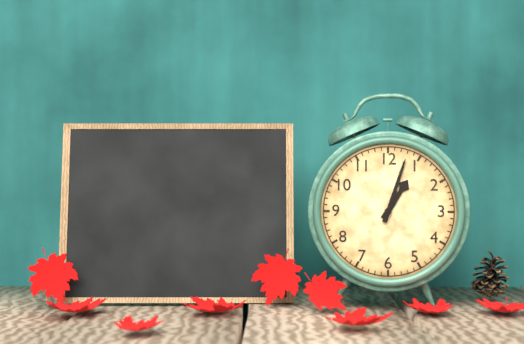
1:03
